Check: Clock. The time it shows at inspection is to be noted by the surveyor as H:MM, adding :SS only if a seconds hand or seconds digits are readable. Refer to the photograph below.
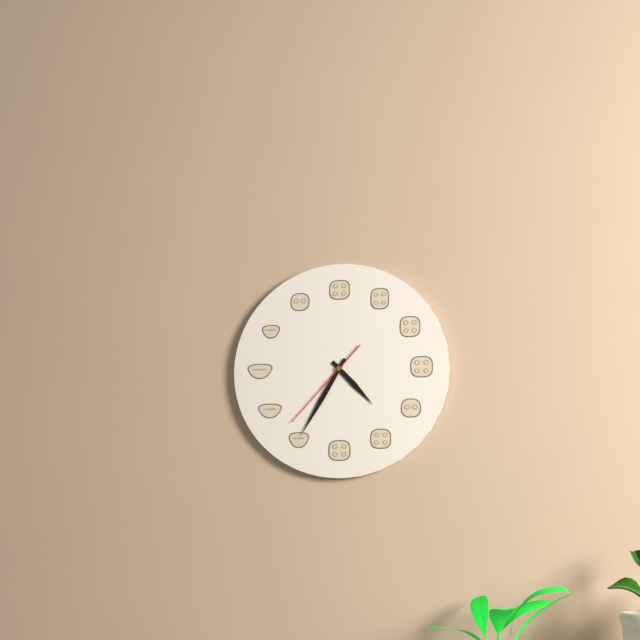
4:35:37
